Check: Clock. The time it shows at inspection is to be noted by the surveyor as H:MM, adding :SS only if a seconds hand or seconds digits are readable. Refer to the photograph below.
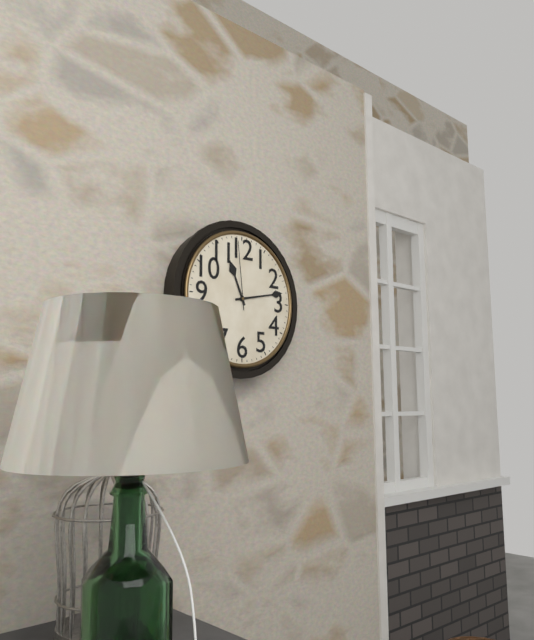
11:13:59
